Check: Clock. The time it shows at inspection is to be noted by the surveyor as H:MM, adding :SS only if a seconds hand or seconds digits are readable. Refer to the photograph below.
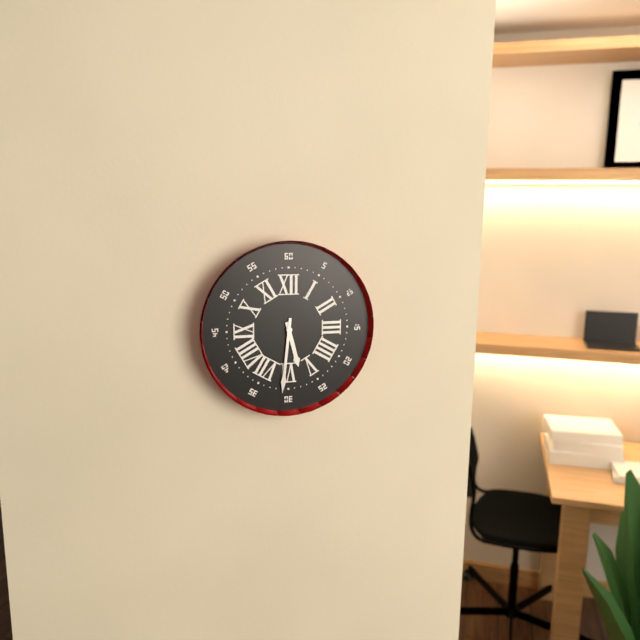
5:31
